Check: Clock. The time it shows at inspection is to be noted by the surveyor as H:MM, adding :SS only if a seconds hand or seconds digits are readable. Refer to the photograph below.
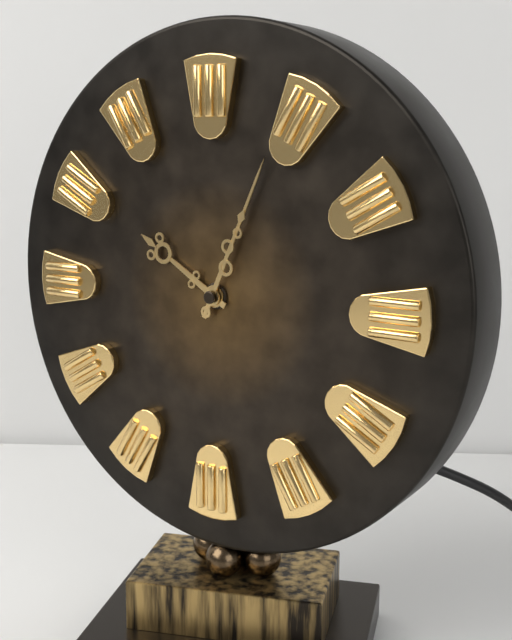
10:04
